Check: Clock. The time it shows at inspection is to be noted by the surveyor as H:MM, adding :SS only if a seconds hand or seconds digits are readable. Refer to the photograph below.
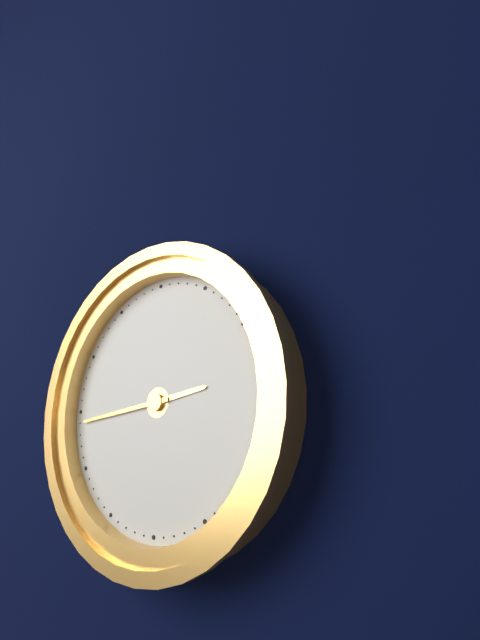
2:44
